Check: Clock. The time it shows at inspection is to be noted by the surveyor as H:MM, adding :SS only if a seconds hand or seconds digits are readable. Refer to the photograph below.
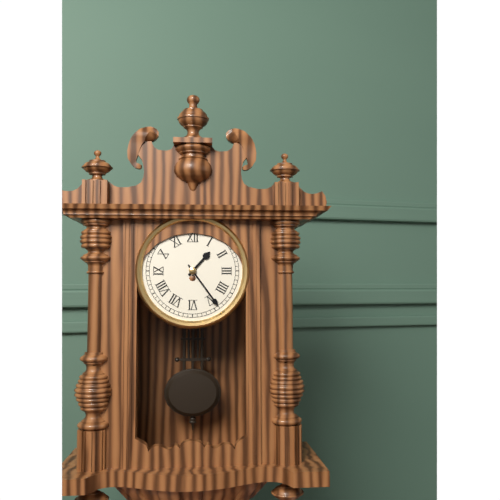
1:24
